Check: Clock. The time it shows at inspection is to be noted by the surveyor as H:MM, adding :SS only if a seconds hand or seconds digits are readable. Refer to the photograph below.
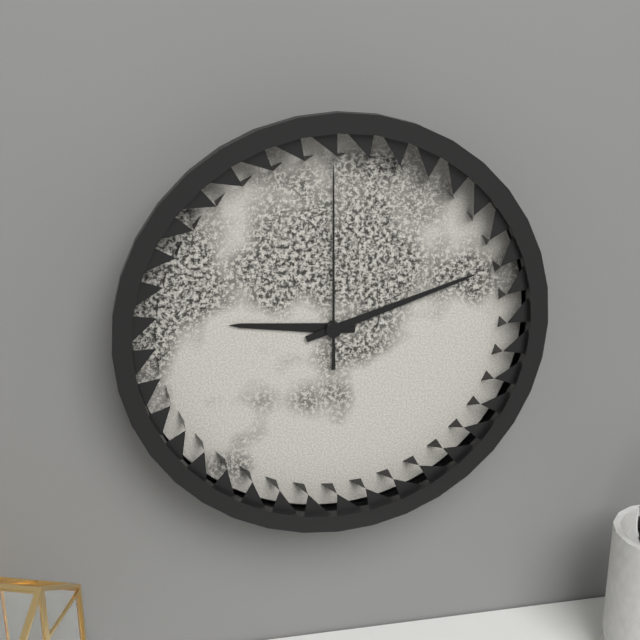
9:12:00
